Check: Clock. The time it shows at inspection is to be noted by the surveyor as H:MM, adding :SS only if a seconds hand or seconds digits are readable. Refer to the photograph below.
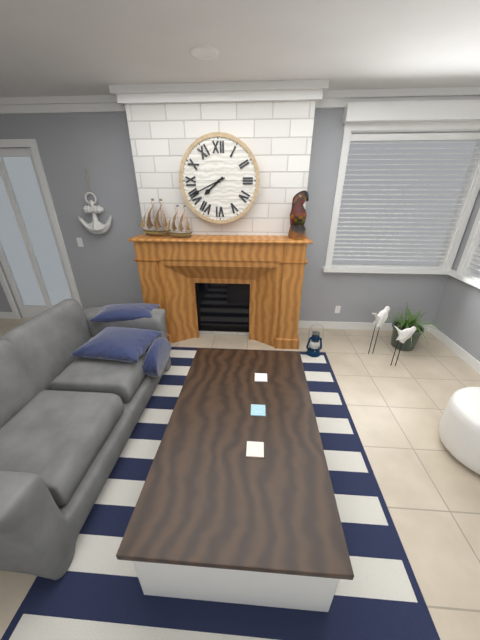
7:41
